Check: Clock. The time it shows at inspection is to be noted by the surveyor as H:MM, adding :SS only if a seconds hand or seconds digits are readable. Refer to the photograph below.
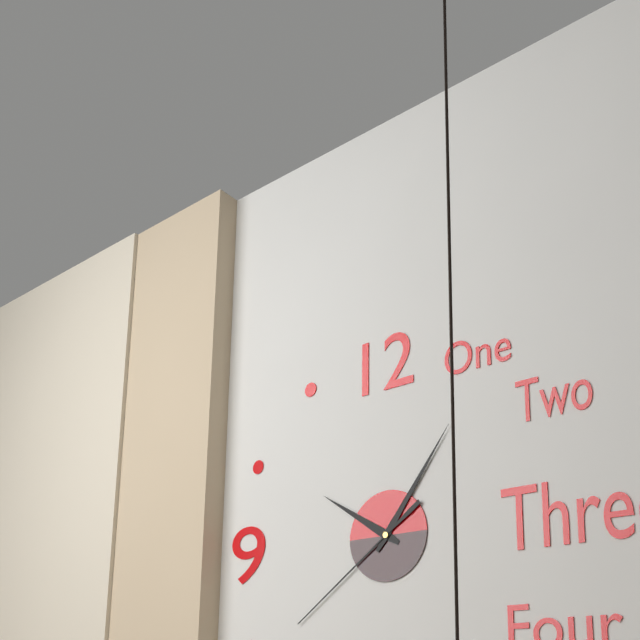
10:06:39
